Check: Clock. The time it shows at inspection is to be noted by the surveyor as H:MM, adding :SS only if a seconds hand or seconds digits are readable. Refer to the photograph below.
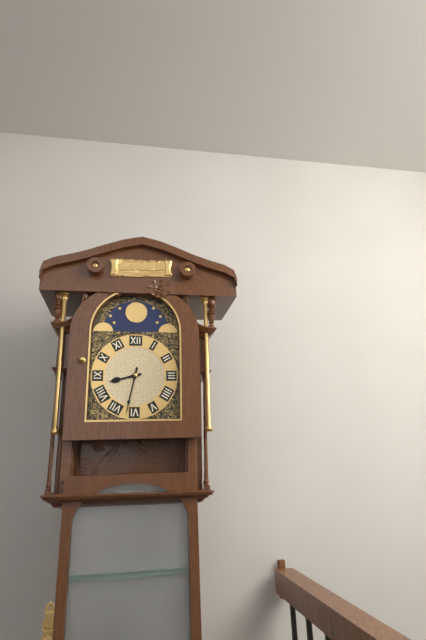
8:32
